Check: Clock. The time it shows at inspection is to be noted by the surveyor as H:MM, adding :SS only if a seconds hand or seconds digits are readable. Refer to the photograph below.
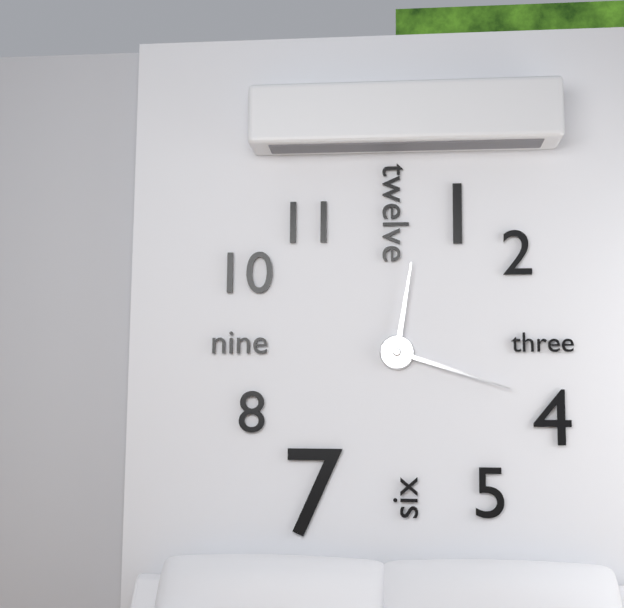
12:18
